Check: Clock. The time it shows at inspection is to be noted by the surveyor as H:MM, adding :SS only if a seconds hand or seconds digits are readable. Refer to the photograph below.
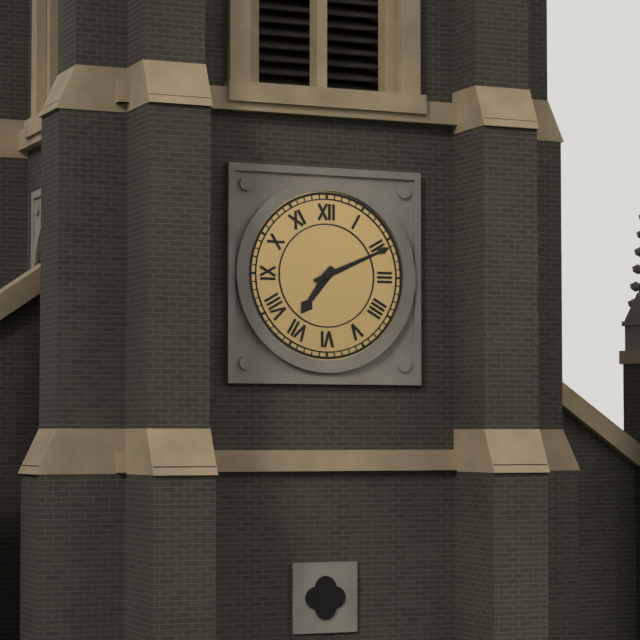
7:11
